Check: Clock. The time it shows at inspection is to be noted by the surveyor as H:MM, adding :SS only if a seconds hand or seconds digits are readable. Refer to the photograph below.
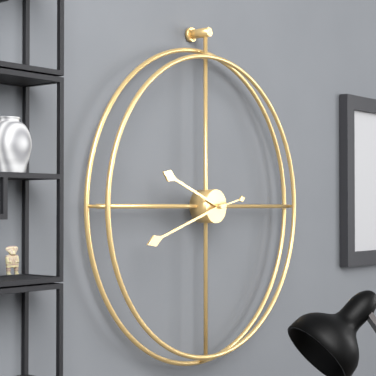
9:42
